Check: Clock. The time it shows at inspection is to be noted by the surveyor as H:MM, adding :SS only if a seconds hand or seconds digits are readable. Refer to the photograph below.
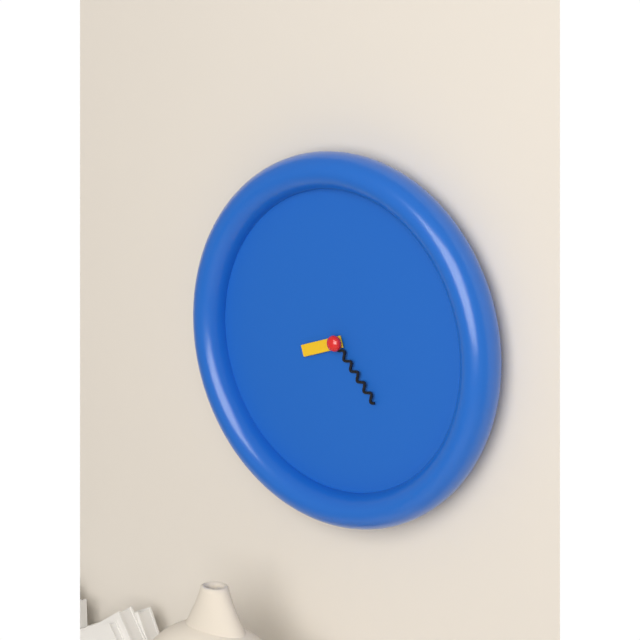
8:23
